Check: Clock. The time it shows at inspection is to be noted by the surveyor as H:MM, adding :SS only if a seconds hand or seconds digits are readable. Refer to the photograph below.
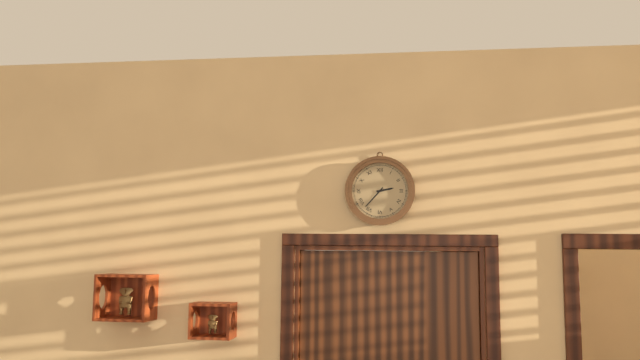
2:37
